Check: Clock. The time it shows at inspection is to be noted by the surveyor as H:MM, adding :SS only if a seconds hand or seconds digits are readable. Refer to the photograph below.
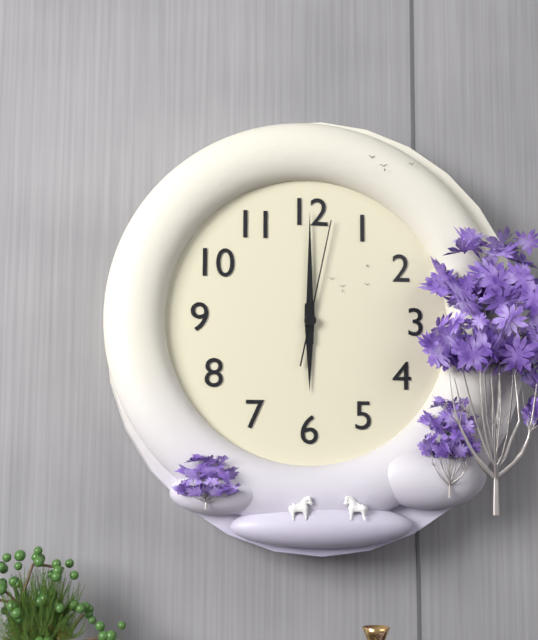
6:00:02
